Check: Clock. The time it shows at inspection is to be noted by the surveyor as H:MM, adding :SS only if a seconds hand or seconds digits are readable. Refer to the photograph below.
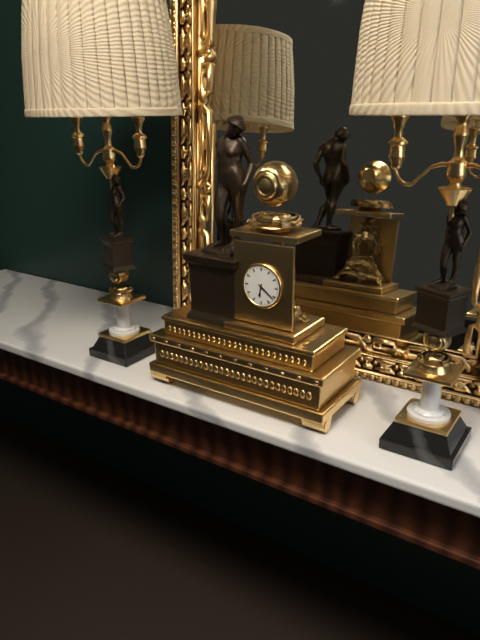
6:21
